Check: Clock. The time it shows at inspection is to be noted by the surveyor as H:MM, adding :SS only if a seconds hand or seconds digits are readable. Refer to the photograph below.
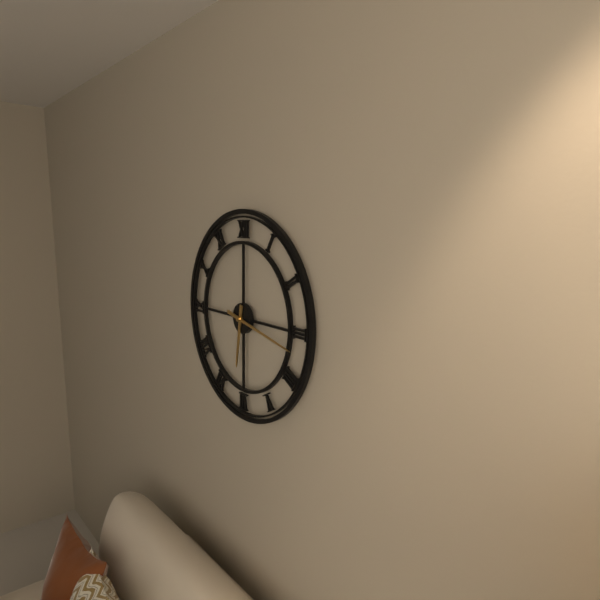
6:17
